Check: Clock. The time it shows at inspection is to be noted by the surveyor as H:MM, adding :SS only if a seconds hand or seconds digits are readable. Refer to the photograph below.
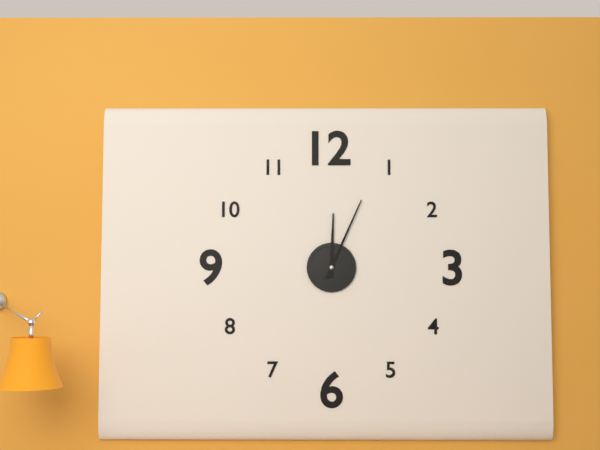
12:04
